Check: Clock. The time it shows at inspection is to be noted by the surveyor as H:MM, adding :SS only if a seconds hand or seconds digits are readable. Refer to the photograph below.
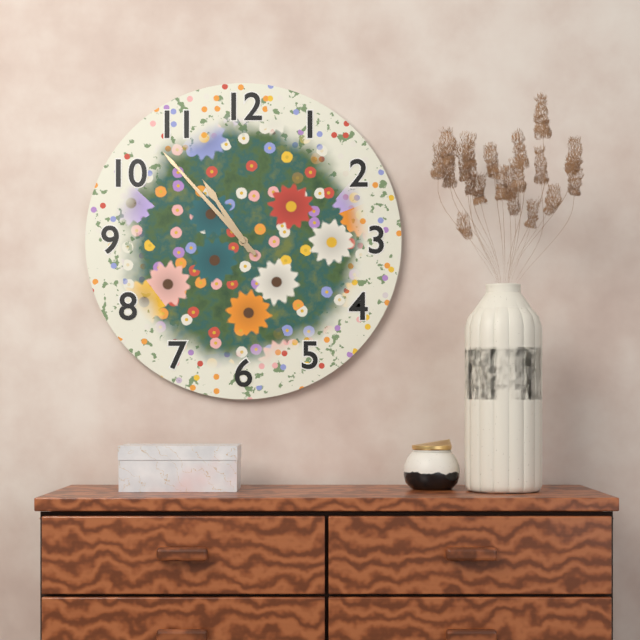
10:53
